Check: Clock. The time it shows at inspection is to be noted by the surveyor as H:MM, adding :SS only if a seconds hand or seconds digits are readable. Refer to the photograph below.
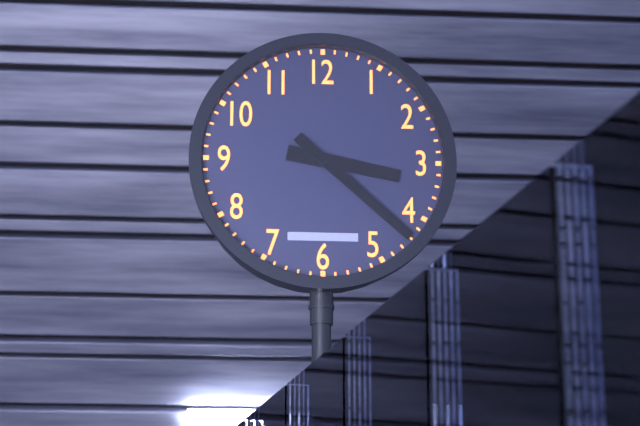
3:22
